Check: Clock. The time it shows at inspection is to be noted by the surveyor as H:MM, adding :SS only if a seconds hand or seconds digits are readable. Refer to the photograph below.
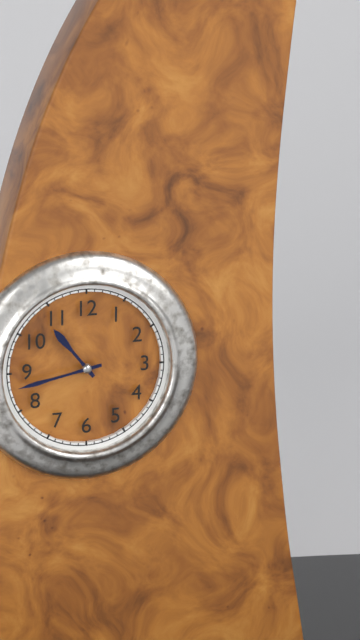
10:43
